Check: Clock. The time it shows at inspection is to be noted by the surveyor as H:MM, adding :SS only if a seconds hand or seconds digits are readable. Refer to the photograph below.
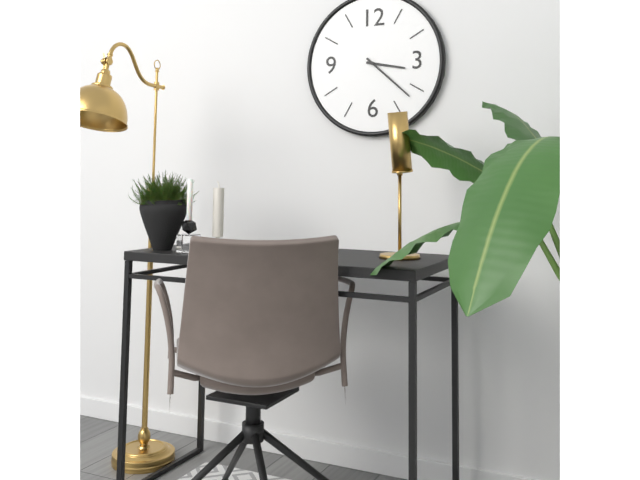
3:22
